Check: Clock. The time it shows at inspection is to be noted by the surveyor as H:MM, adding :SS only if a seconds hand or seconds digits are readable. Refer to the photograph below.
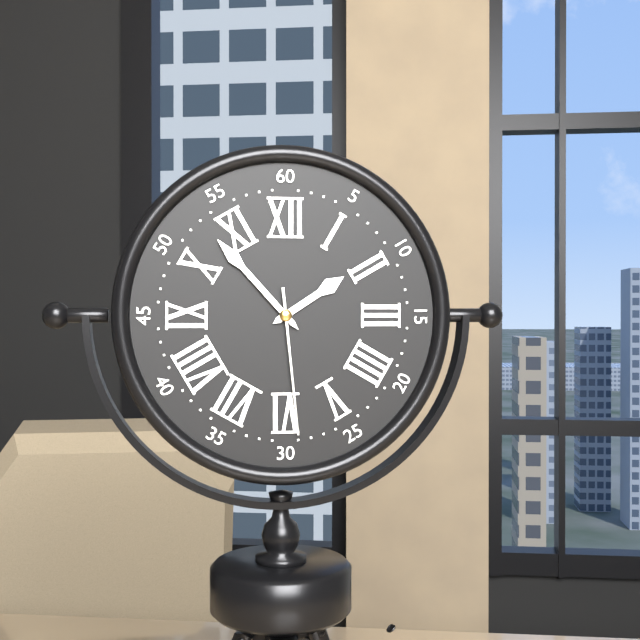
1:53:29
